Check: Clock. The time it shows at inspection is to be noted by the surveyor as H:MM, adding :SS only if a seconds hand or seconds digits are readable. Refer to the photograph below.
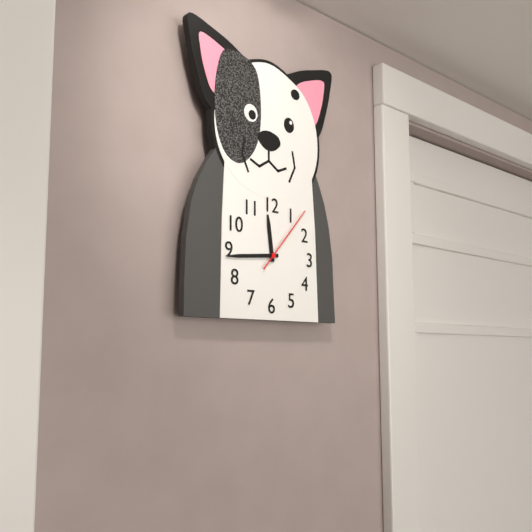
11:44:07
